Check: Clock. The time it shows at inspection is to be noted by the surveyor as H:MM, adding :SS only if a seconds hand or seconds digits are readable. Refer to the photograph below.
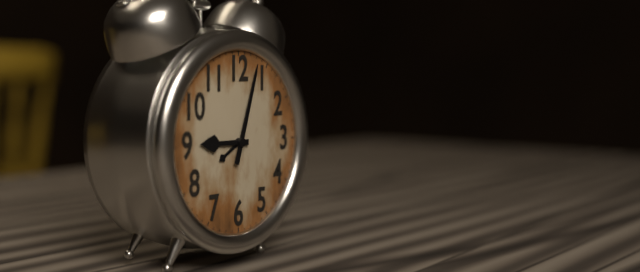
9:03
